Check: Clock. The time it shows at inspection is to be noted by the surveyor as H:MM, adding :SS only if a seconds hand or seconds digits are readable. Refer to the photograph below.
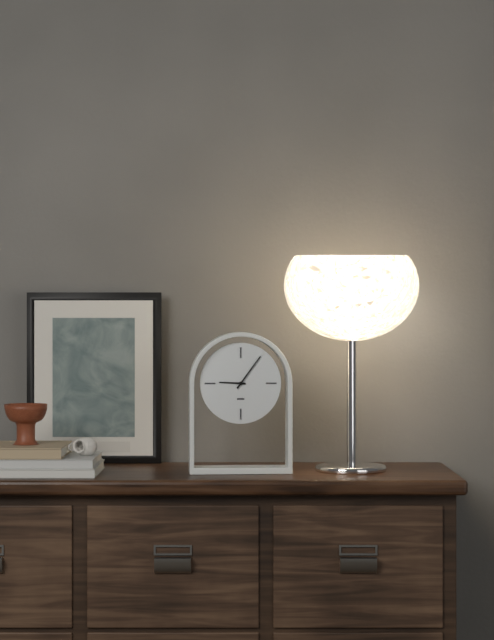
9:06
